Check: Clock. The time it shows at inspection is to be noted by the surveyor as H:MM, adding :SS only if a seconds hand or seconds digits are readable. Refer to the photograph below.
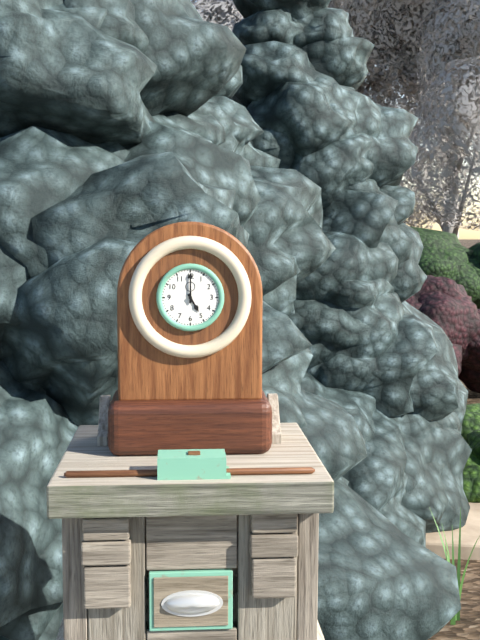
5:00
